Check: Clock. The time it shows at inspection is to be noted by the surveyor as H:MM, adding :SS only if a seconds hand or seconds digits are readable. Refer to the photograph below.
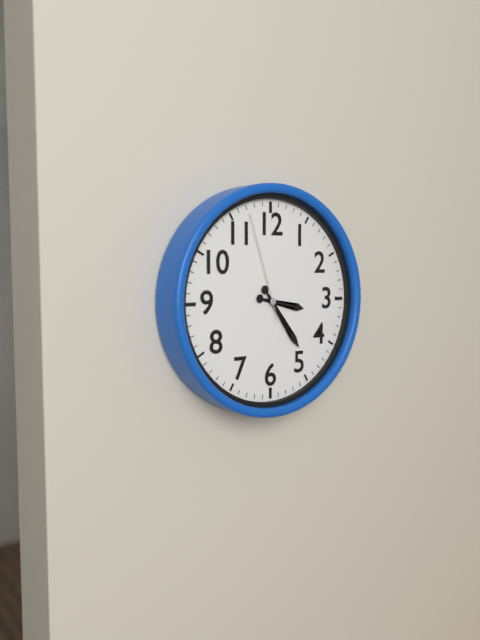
3:24:57
